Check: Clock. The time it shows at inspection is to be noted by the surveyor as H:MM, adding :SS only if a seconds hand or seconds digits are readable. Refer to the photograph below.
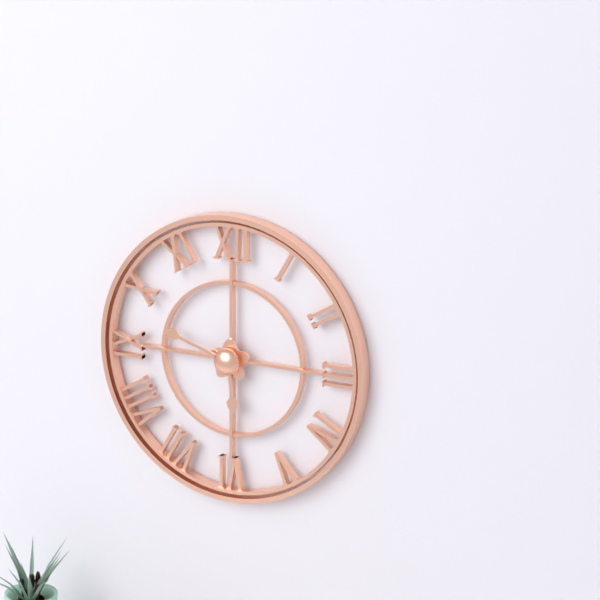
5:48
